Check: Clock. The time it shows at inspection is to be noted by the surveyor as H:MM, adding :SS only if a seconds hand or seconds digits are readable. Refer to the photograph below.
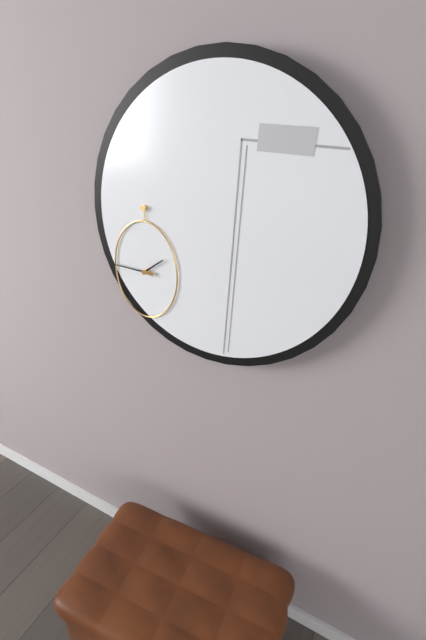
1:45
